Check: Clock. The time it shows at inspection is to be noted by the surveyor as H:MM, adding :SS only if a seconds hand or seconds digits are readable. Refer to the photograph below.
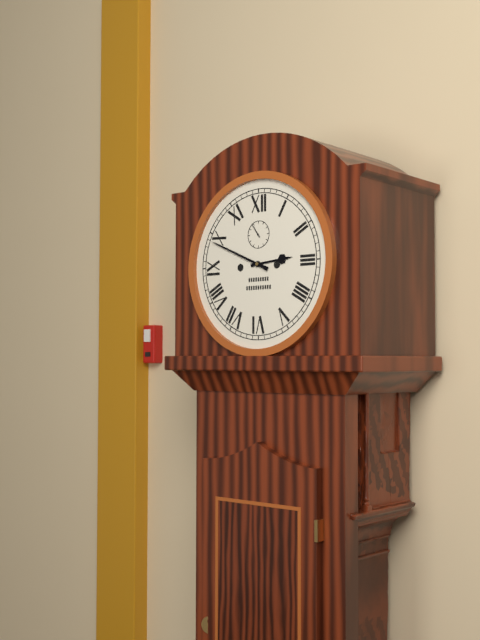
2:49
